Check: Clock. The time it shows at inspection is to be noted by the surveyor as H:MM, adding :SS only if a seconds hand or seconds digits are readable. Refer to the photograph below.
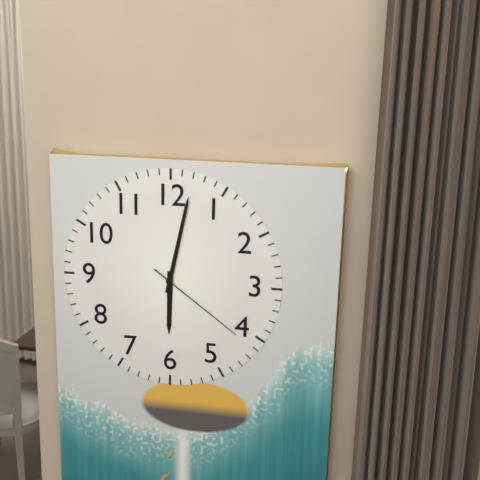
6:02:21
